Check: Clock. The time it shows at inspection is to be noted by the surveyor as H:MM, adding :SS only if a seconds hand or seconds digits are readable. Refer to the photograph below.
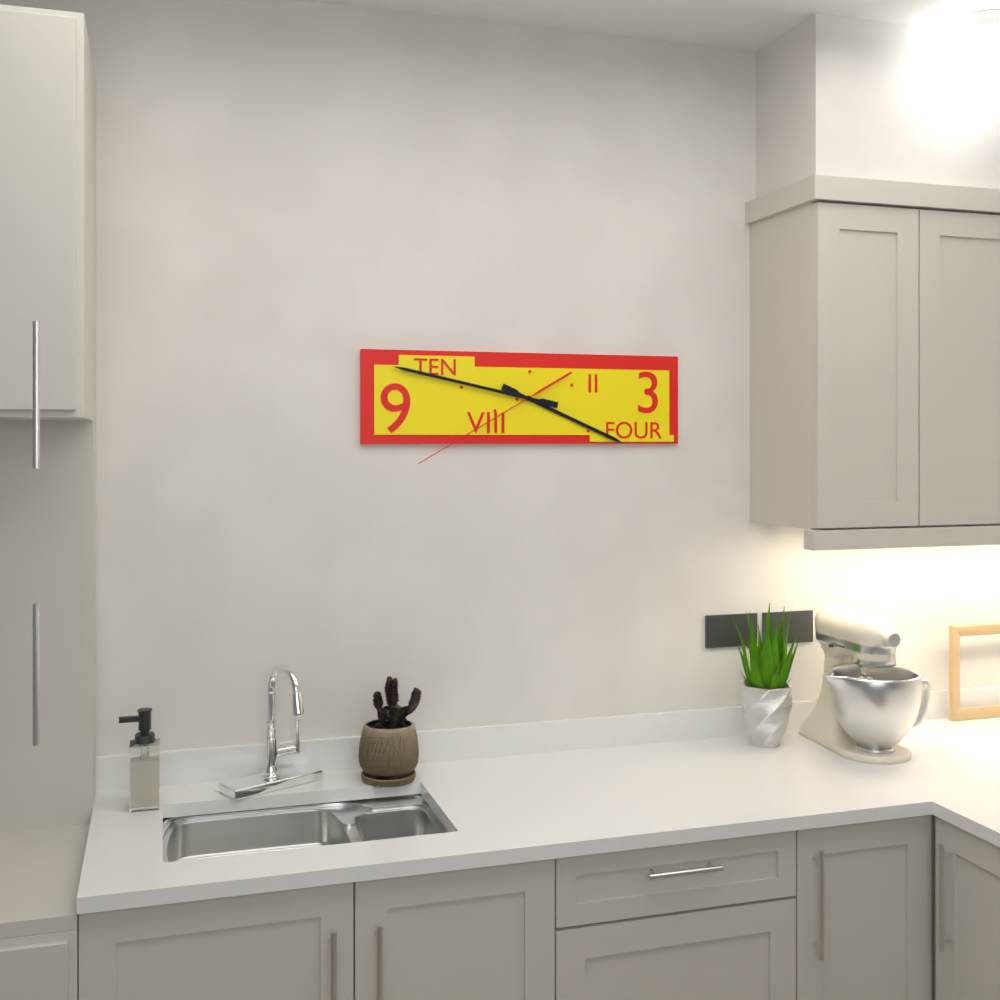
3:47:40
